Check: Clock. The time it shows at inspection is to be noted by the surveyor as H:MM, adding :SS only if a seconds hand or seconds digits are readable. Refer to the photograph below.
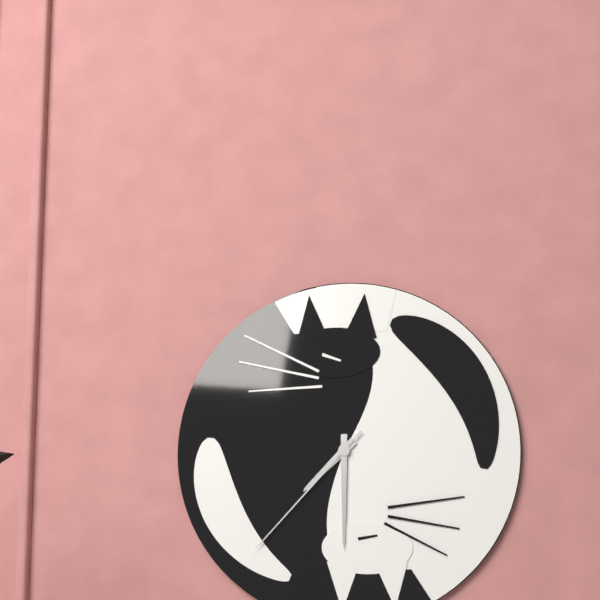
7:30:37
